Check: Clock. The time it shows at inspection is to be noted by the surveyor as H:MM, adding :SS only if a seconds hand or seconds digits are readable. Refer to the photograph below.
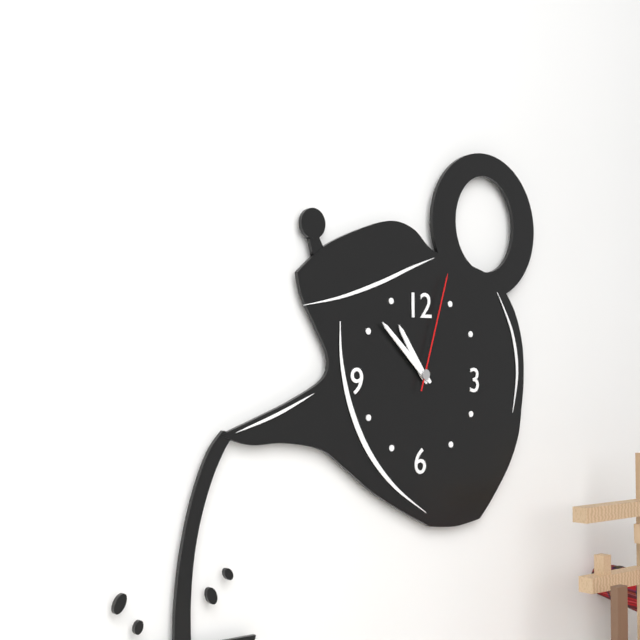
10:52:03
